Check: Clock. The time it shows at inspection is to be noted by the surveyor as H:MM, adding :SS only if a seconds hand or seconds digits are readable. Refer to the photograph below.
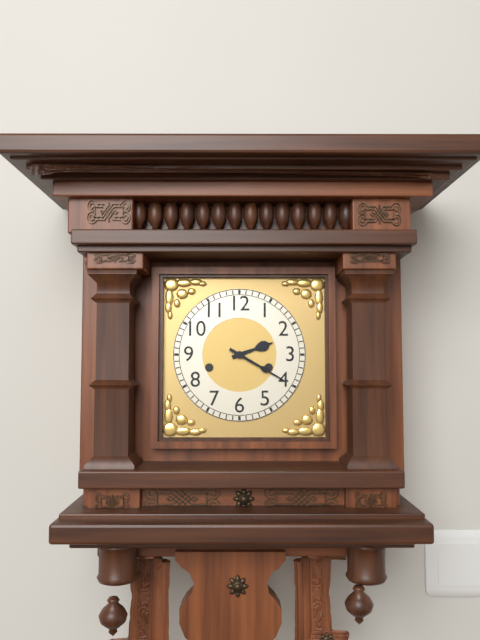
2:20
